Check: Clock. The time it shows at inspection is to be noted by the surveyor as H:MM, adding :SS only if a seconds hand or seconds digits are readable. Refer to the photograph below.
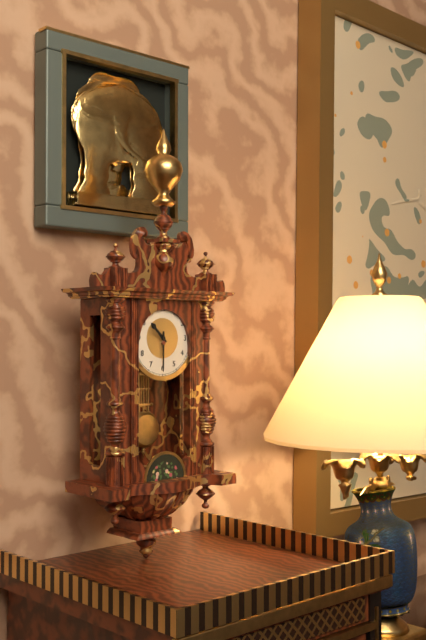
10:30
